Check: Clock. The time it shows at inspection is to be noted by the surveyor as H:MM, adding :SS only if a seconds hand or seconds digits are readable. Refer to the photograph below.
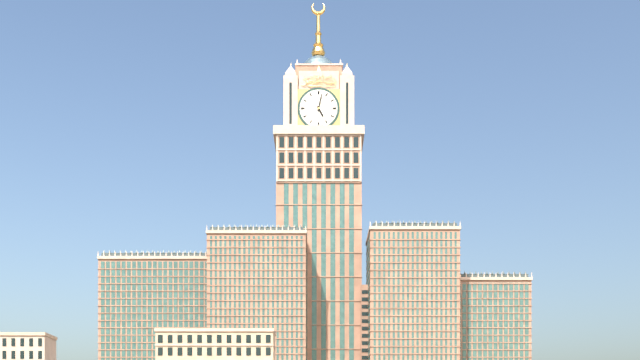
5:02
